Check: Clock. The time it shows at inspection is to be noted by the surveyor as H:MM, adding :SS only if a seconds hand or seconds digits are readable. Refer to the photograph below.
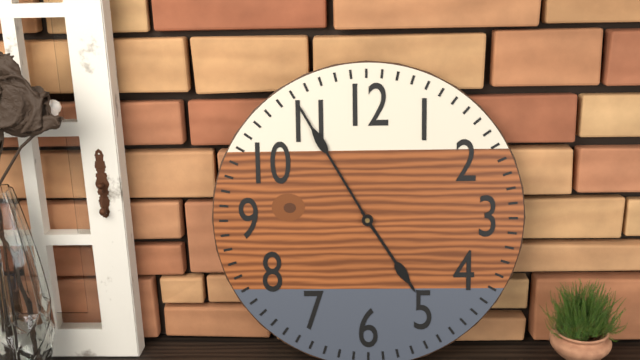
4:55
